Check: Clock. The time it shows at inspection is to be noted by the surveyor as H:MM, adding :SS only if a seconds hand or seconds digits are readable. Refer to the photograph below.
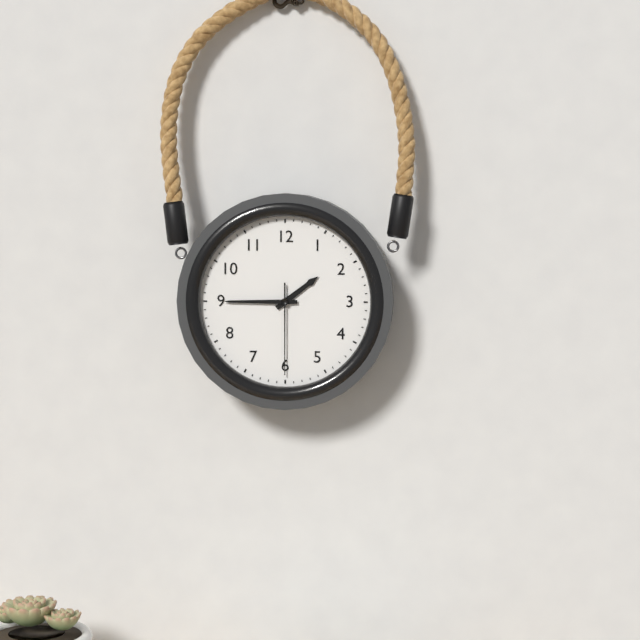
1:45:30
